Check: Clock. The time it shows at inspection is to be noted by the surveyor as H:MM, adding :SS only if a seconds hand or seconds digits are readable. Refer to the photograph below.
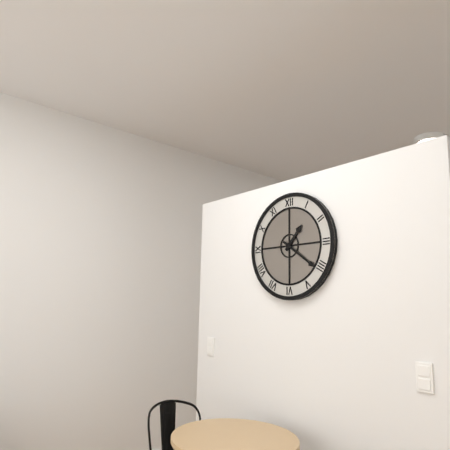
1:21
